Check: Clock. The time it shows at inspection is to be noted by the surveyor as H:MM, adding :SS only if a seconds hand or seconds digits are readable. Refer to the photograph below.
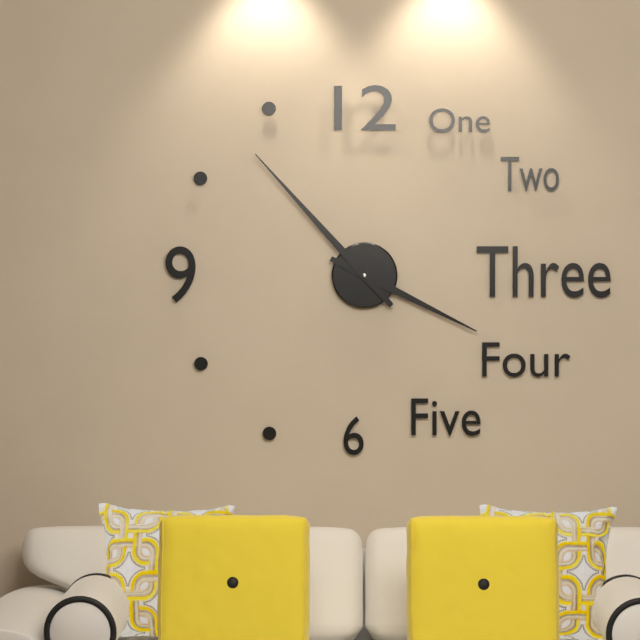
3:53
